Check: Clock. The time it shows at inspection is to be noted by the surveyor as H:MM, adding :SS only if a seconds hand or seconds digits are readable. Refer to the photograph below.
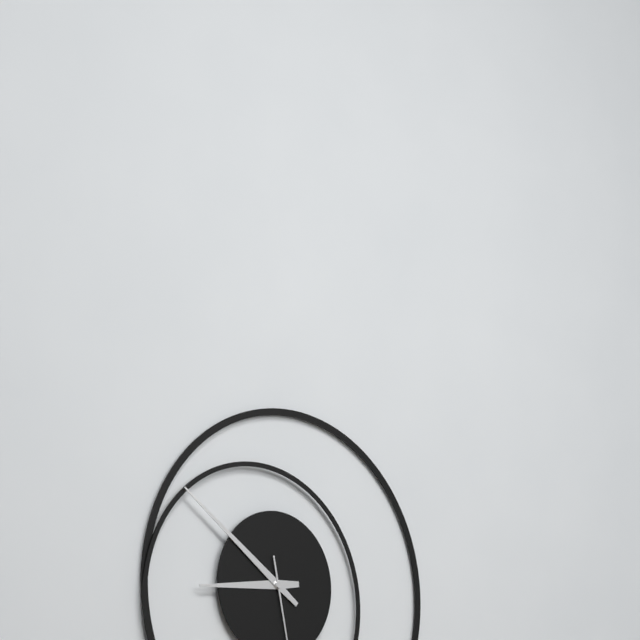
8:51
